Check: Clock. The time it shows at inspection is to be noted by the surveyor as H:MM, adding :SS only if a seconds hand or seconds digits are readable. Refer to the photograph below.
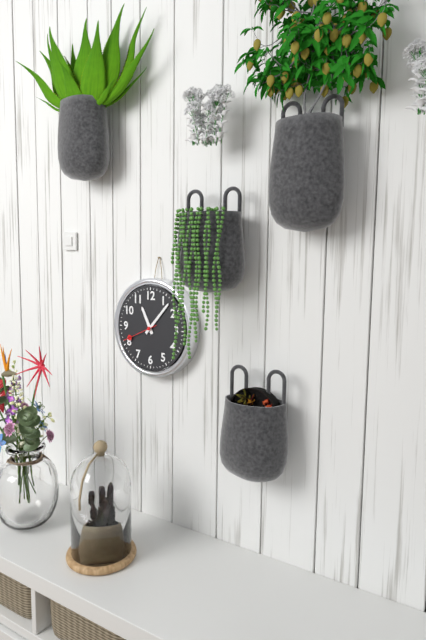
11:07
